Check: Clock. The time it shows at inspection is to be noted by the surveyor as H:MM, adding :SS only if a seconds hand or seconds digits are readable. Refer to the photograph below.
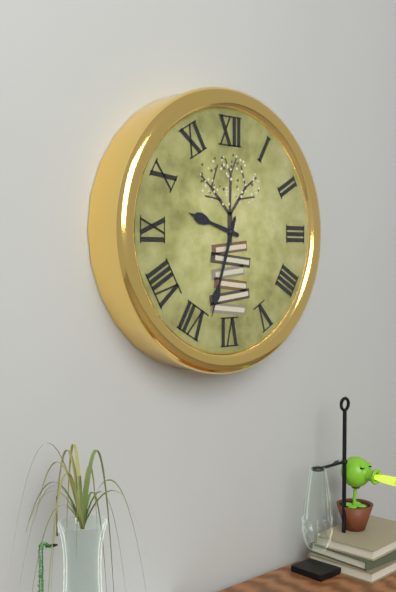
9:33
